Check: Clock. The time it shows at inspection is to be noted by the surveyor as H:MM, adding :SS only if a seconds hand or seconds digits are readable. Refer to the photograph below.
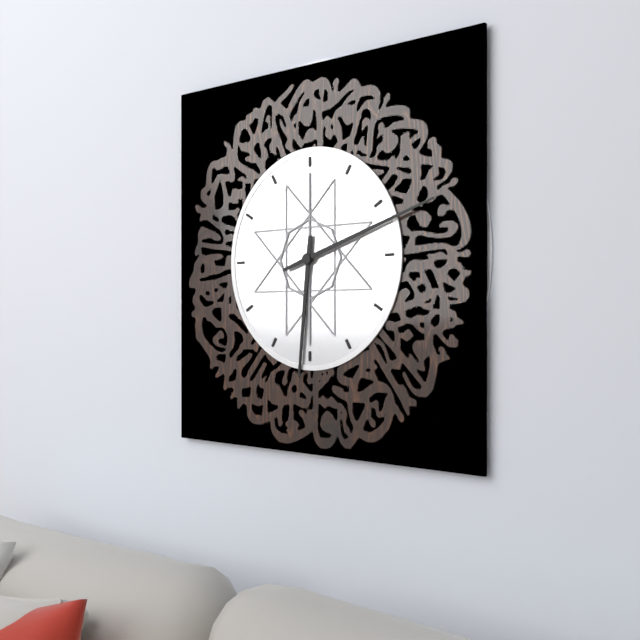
6:12
